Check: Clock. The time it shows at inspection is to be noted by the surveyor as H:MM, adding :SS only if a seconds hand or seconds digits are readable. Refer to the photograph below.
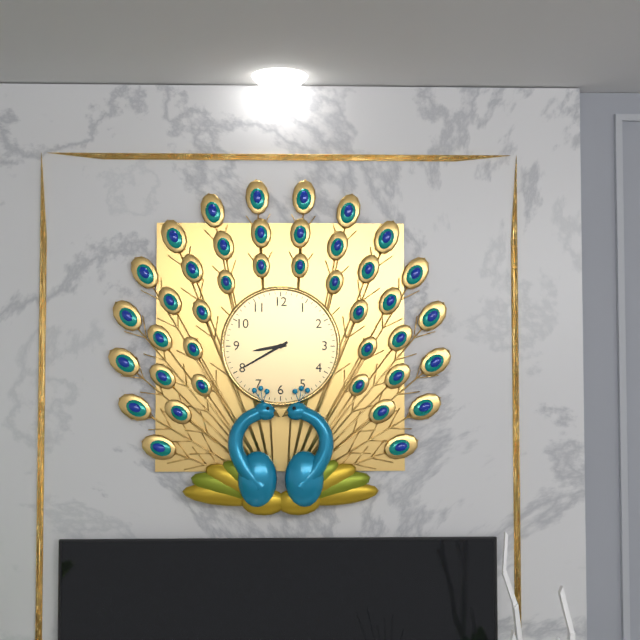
8:40
